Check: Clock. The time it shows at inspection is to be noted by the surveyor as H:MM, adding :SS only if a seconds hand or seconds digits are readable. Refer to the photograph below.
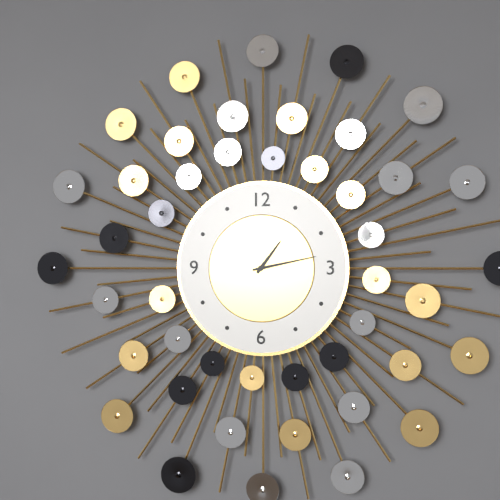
1:13
